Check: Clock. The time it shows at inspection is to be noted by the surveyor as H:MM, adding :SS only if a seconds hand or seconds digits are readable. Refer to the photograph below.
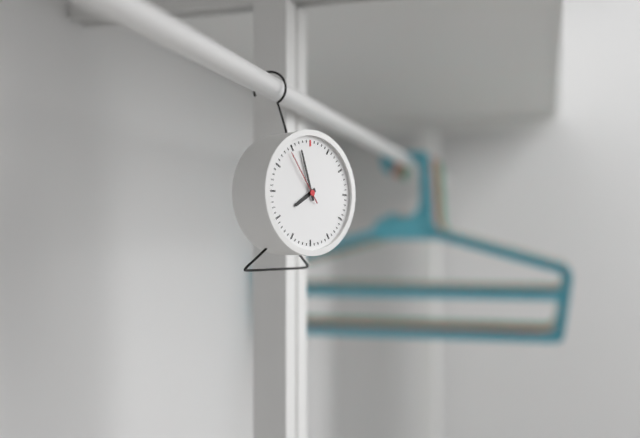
7:57:54
